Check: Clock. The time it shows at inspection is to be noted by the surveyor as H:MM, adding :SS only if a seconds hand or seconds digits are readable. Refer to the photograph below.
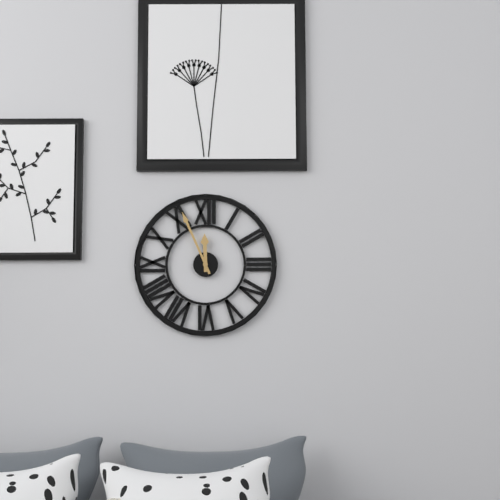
11:56
